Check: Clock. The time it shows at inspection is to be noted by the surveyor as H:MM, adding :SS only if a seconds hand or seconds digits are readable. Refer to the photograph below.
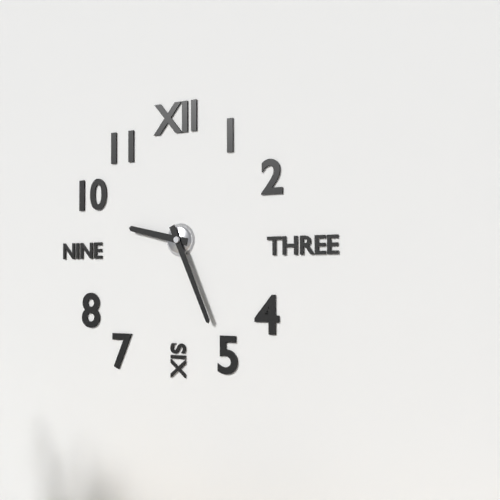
9:26
